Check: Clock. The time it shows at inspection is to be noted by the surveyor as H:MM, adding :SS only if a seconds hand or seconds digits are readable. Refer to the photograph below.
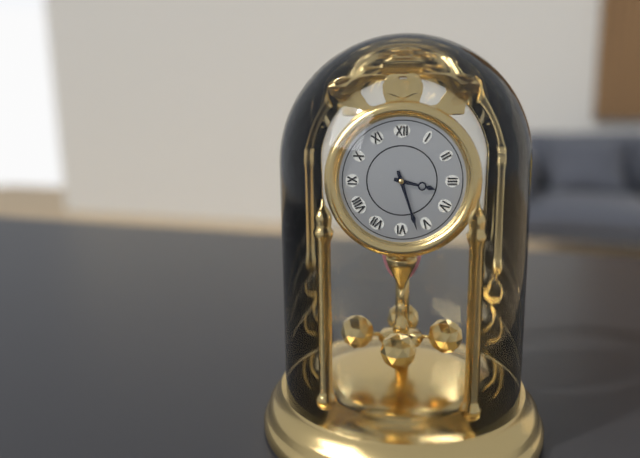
3:27
